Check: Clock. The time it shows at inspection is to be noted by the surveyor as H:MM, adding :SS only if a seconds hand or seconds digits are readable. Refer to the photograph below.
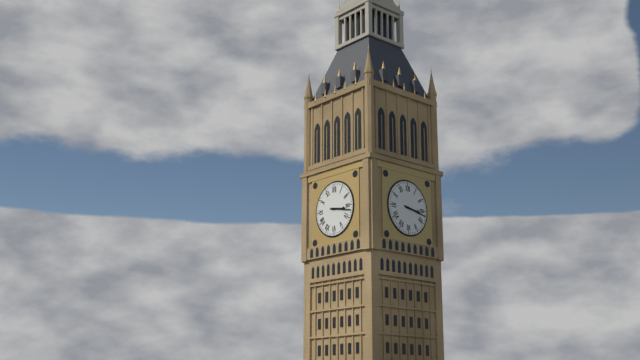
3:17
